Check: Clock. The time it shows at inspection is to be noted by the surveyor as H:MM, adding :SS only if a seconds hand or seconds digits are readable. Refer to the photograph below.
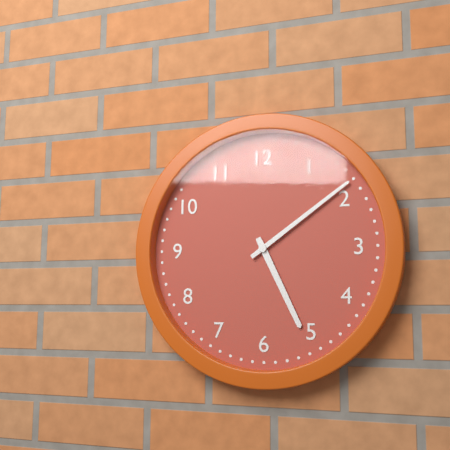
5:09
